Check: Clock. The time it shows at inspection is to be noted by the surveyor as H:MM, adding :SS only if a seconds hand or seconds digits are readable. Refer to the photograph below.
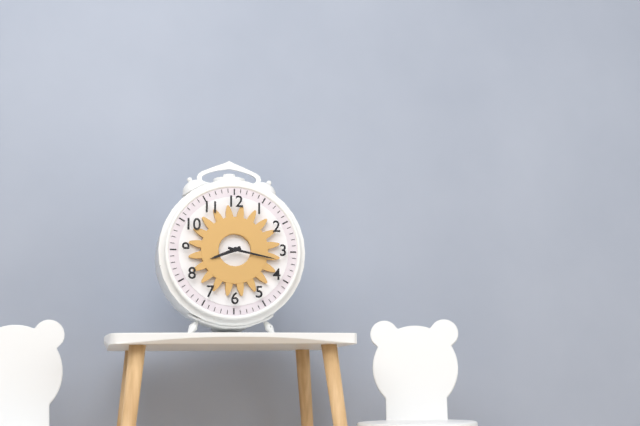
8:17
